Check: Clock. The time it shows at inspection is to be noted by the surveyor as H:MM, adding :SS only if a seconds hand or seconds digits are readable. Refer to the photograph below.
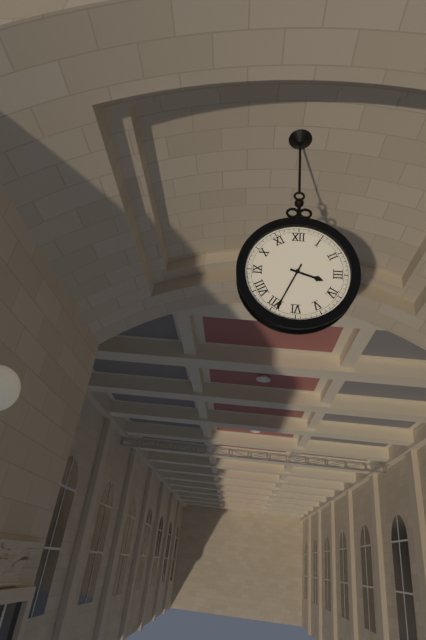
3:34
